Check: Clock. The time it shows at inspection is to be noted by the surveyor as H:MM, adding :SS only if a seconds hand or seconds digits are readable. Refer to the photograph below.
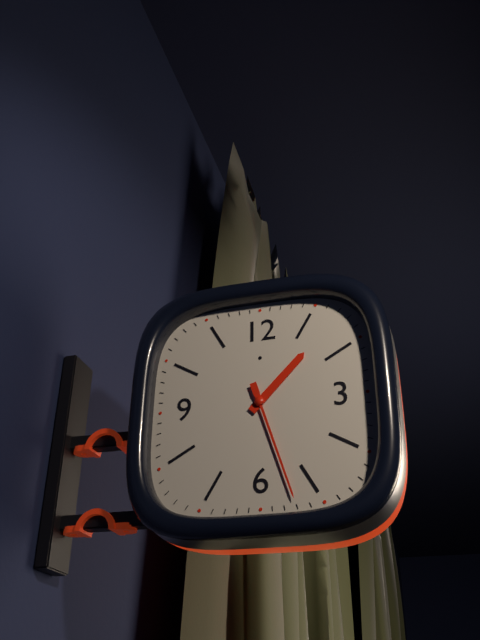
1:27
